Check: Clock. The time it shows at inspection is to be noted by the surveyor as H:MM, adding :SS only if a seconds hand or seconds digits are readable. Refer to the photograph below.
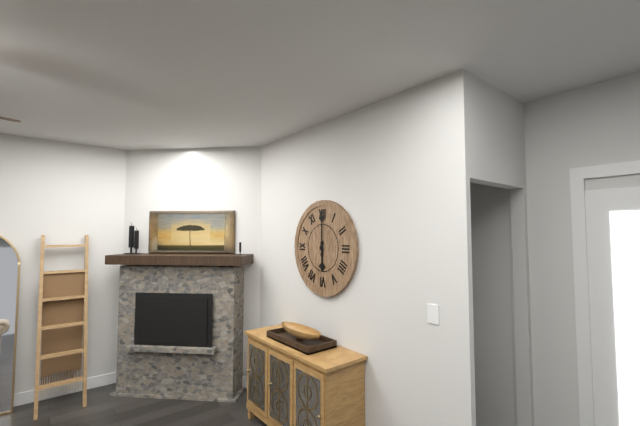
6:00
